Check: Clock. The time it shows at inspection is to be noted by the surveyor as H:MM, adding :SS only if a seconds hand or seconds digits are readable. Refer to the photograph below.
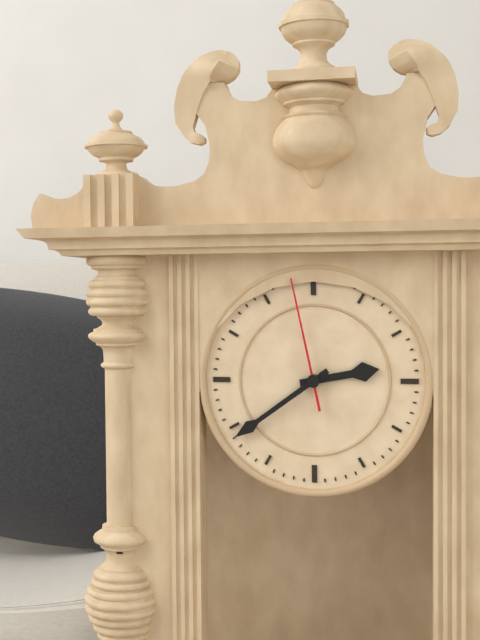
2:39:58
